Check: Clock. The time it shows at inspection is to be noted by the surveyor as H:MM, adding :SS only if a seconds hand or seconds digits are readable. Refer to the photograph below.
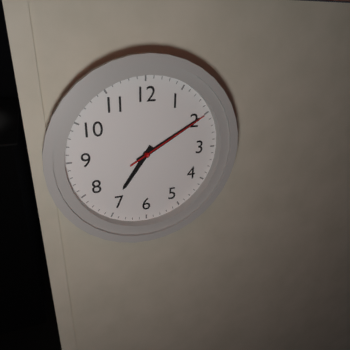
7:10:10
